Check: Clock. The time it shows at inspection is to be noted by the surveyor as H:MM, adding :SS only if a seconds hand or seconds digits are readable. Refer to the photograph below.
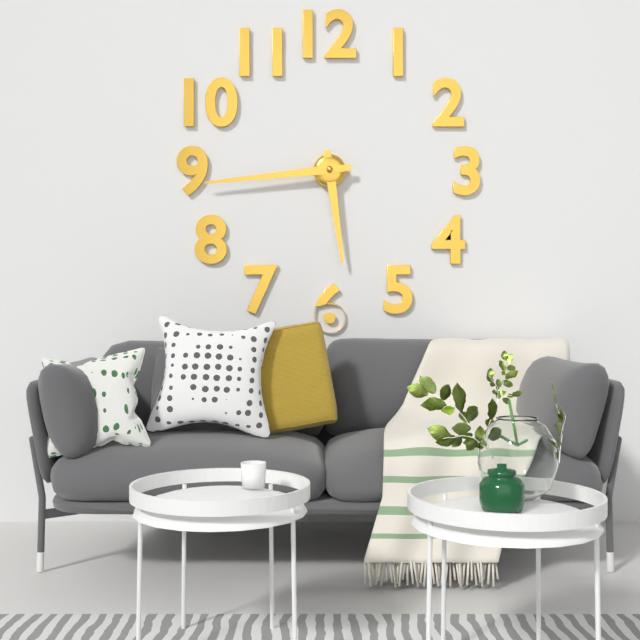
5:44
